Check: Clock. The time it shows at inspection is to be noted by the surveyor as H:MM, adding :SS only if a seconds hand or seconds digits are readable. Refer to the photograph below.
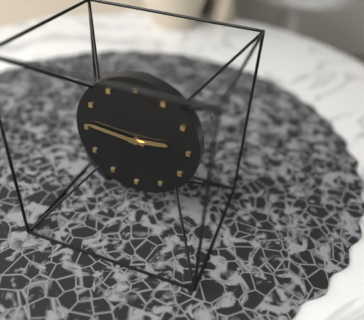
2:46
